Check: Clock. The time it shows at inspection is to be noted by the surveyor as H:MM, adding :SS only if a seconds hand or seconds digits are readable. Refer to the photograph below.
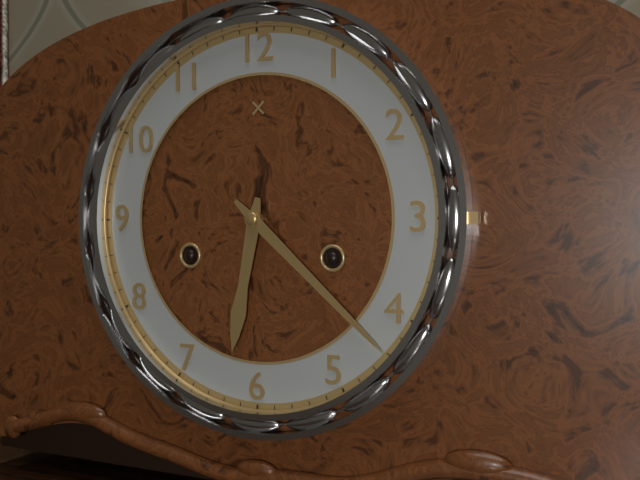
6:22
